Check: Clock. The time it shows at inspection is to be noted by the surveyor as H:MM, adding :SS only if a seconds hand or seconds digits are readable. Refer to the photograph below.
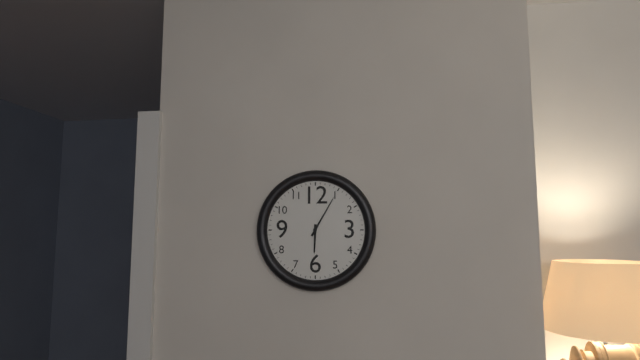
6:05
